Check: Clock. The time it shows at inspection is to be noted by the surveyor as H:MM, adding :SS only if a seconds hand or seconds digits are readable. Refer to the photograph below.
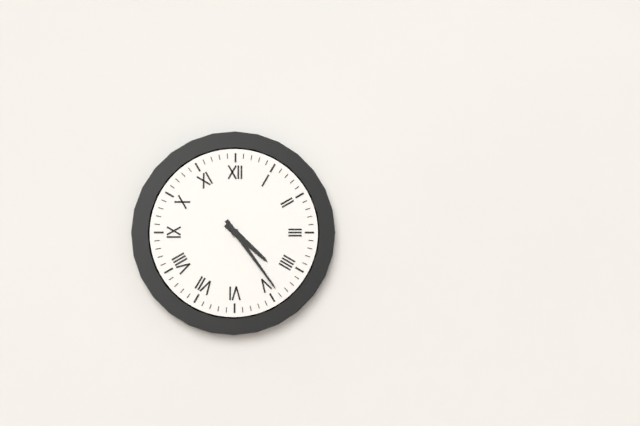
4:24
